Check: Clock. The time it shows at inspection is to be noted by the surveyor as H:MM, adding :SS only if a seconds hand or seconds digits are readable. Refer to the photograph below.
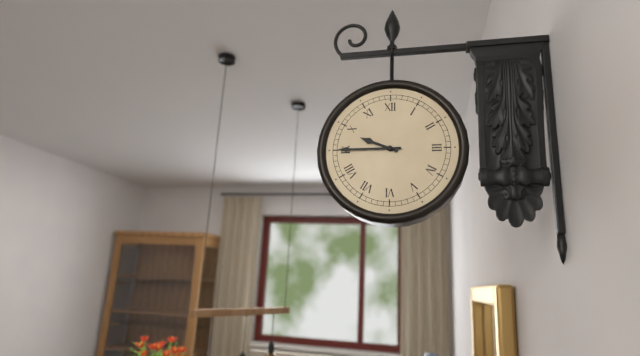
9:45
